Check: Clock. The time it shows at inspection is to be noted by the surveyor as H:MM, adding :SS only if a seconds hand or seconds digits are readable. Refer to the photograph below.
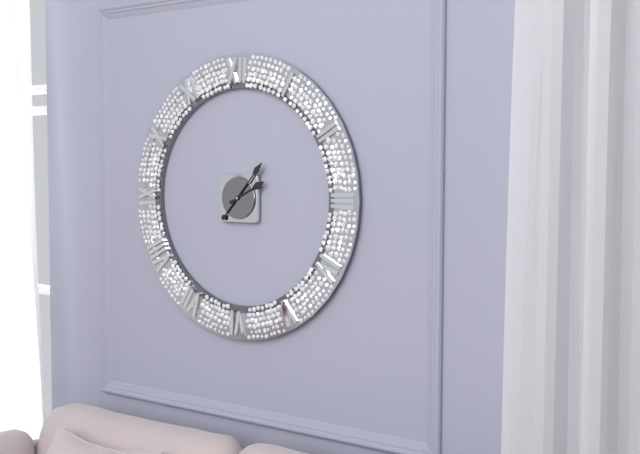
2:07
